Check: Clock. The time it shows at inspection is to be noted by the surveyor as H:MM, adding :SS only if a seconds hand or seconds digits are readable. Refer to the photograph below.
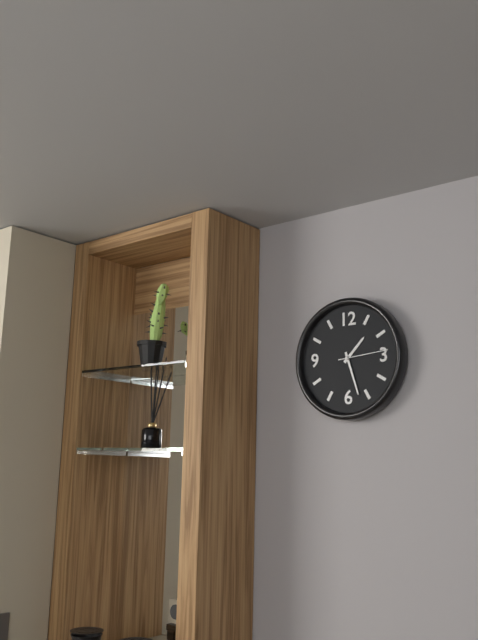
1:27
